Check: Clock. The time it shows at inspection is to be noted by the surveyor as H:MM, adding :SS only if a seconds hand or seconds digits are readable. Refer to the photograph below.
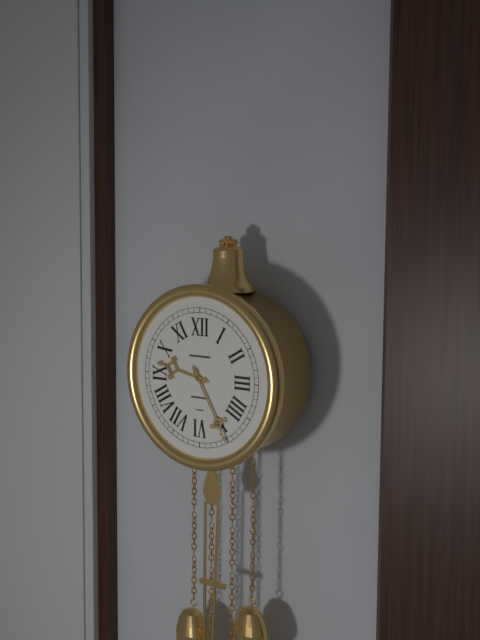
9:25
